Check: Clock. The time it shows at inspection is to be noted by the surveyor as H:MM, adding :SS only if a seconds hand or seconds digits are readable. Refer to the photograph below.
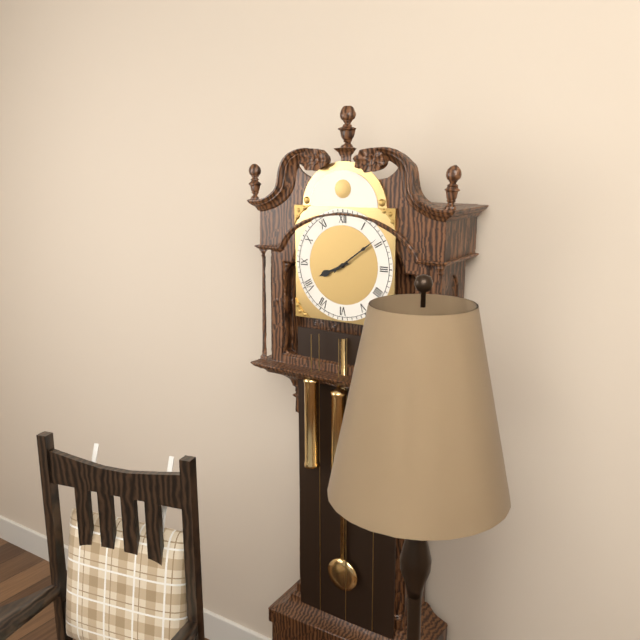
8:09
